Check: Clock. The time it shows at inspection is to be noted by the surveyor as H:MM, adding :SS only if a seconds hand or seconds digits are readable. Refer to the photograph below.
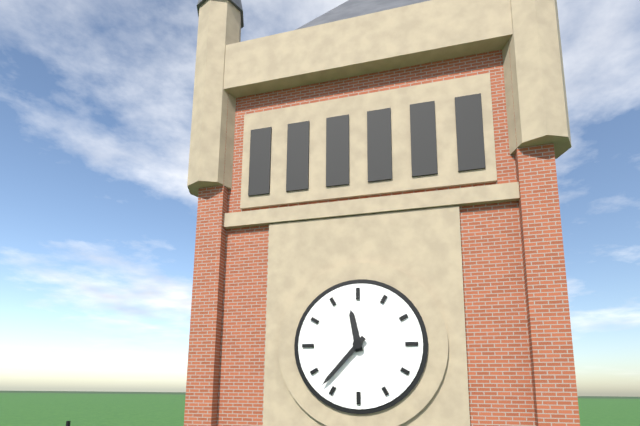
11:37
